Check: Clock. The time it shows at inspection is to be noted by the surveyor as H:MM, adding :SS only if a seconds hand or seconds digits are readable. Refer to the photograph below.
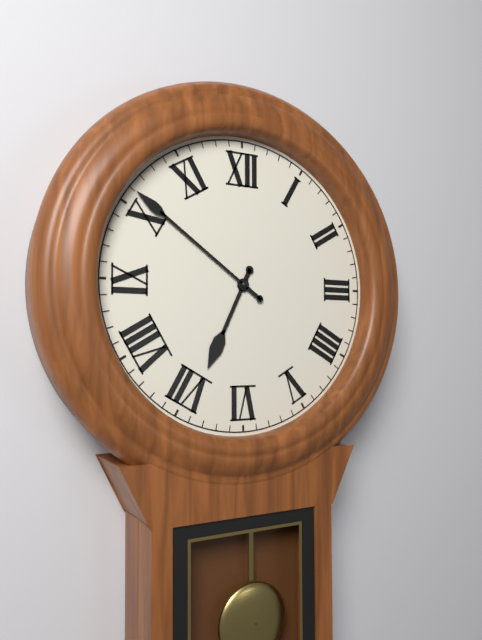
6:51
